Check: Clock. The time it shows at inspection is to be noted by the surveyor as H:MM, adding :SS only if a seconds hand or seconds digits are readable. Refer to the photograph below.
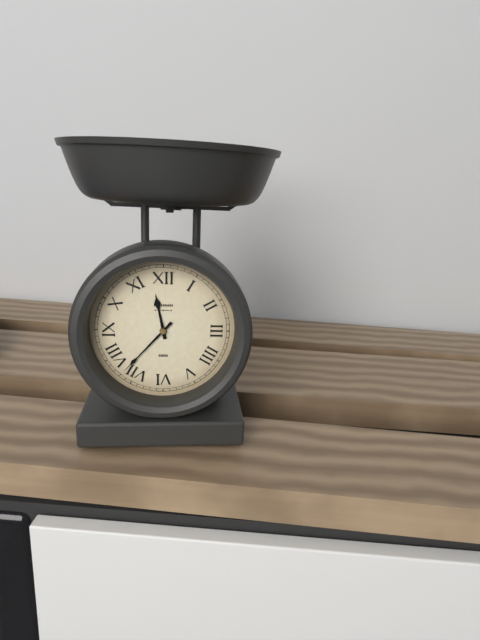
11:37
